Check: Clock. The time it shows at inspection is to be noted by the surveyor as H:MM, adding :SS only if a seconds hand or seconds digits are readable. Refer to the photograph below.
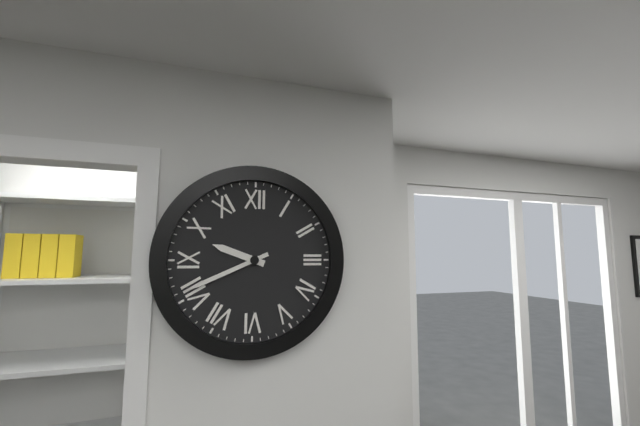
9:41
